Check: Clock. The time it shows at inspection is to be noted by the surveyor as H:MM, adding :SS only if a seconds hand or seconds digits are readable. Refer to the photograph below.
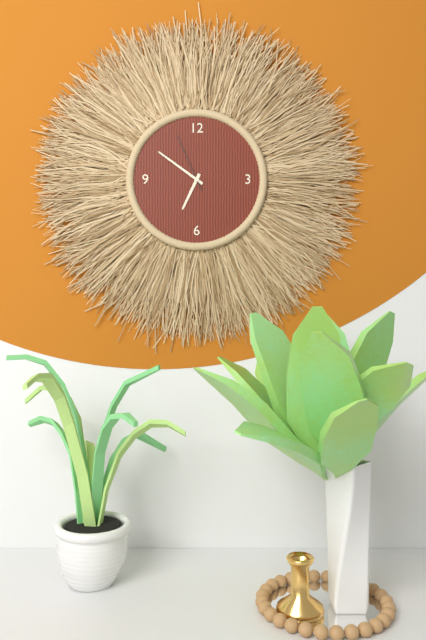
6:51:56
